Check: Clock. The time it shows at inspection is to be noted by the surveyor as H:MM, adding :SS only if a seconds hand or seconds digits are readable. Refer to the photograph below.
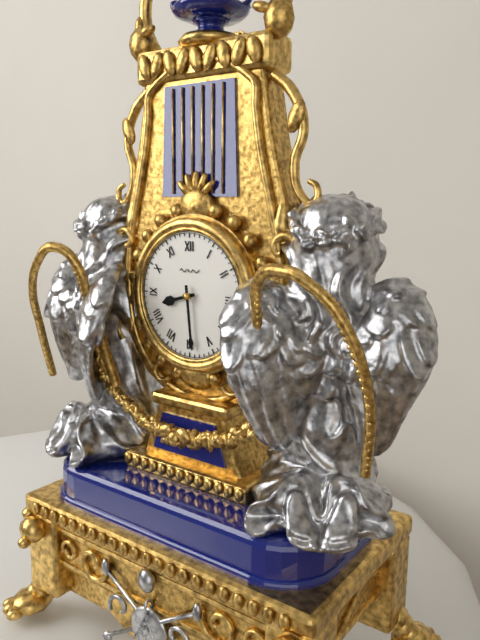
8:29
